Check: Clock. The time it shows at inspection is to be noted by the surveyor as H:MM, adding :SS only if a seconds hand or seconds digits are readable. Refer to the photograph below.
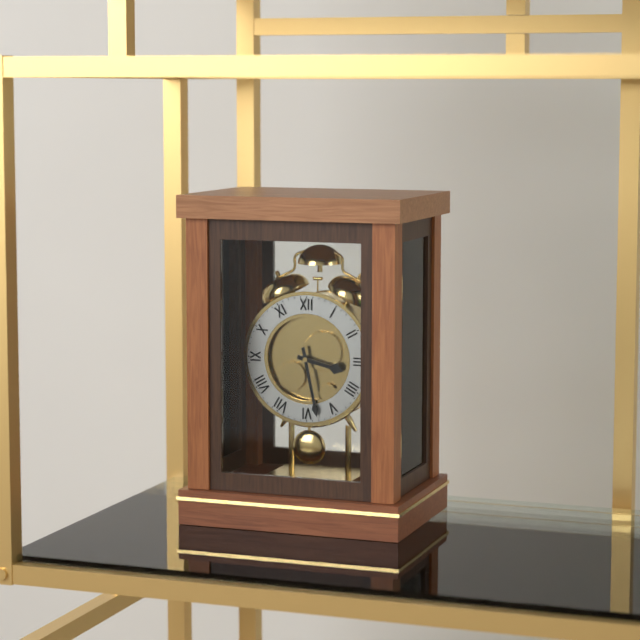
3:28
